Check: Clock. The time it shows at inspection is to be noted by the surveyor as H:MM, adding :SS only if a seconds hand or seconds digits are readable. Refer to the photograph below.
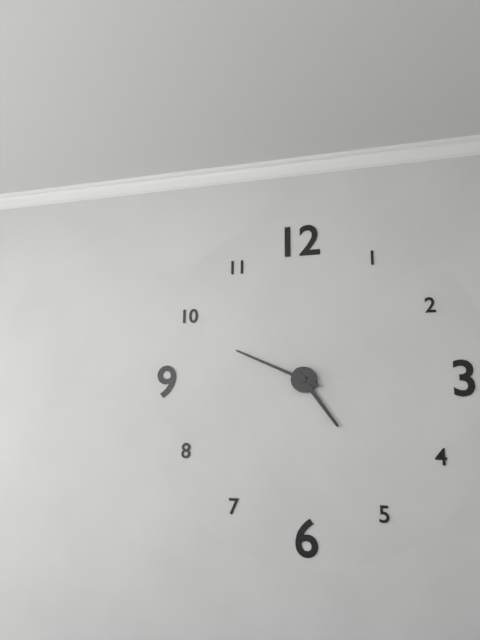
4:49
